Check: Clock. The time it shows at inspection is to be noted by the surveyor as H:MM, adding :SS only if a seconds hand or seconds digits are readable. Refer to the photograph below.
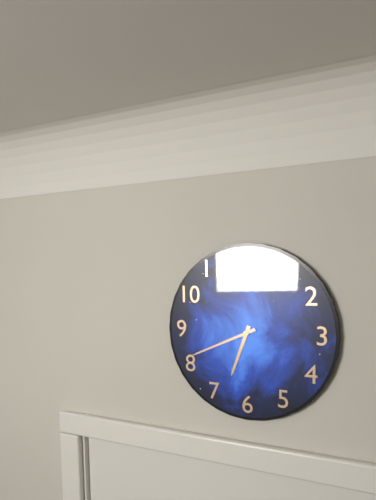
6:41
